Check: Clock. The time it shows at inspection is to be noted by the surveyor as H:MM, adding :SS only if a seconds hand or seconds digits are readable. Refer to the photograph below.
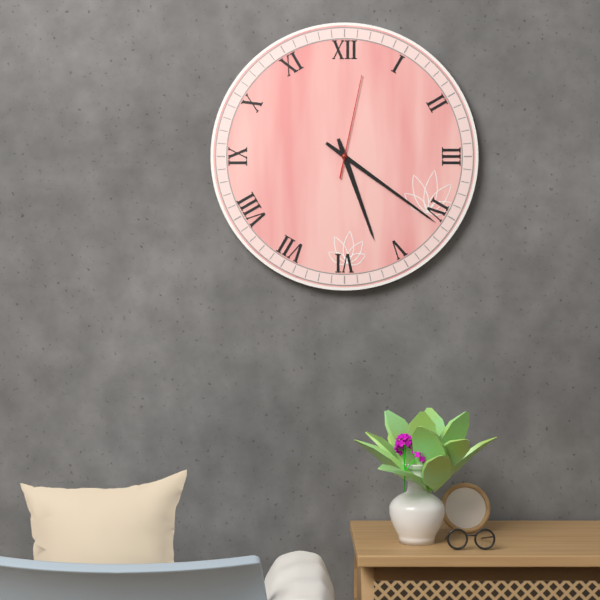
5:21:02
